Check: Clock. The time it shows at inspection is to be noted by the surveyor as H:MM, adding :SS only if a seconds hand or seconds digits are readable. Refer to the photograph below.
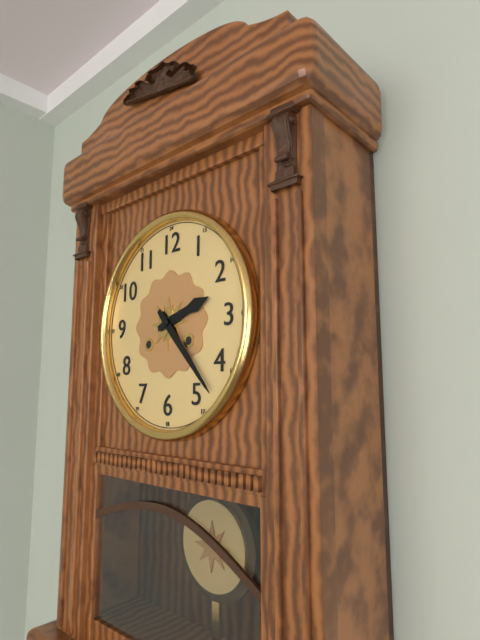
2:23
